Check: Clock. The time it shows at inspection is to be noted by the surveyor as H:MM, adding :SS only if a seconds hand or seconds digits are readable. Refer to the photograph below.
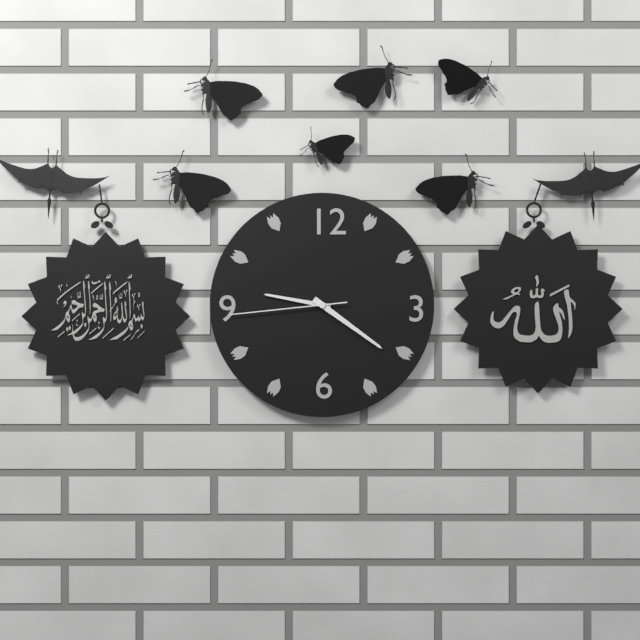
9:21:44
